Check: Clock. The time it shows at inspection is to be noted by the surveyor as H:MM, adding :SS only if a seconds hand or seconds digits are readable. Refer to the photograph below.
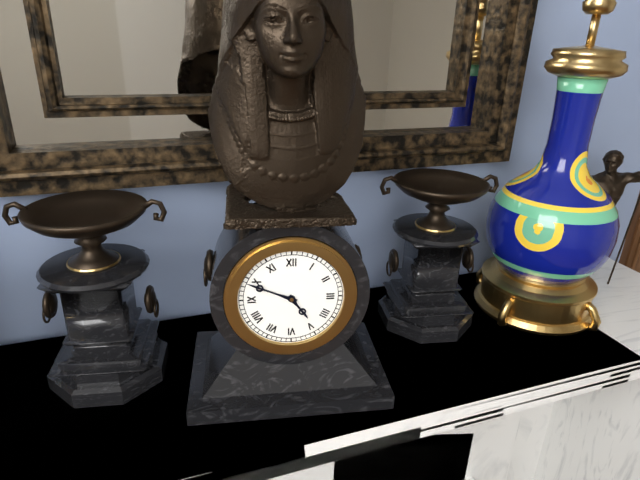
4:49
